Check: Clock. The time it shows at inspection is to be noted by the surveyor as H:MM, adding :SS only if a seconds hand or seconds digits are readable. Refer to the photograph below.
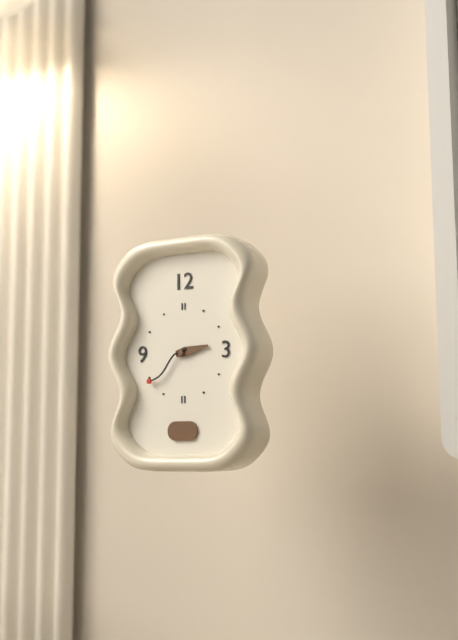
2:39
